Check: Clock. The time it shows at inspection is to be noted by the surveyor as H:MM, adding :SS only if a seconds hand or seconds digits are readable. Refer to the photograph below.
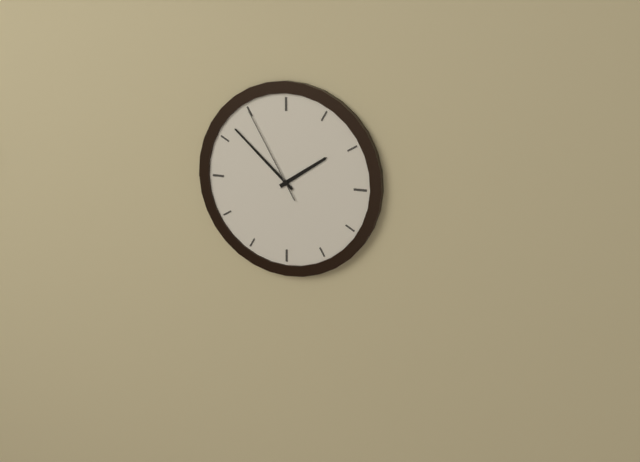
1:52:55
